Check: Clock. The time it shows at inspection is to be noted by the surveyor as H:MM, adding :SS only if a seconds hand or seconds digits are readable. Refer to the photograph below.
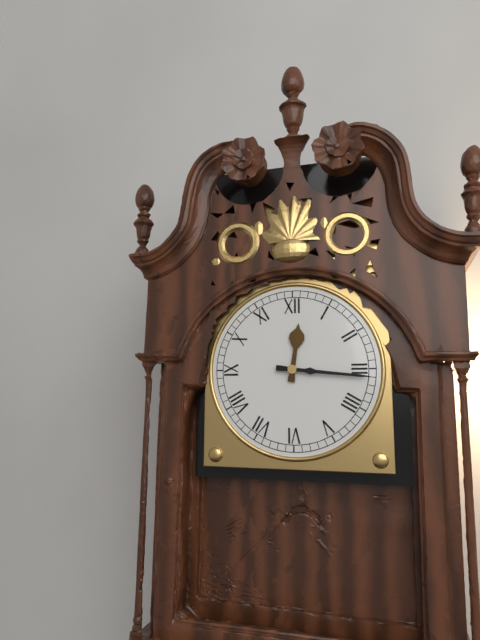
12:16
